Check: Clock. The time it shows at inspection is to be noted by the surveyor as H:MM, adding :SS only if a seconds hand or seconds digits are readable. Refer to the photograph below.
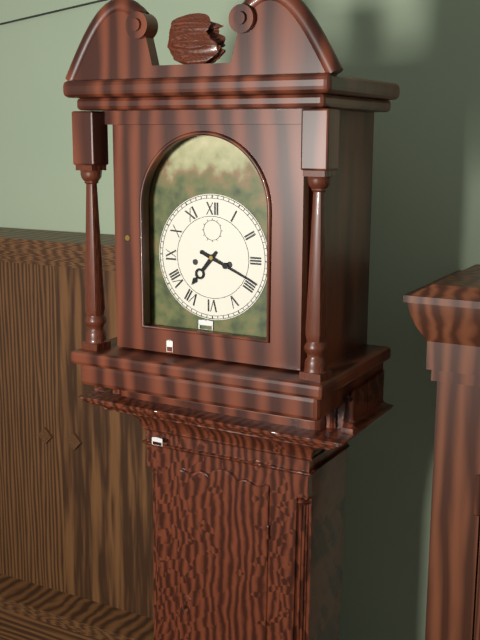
7:19
